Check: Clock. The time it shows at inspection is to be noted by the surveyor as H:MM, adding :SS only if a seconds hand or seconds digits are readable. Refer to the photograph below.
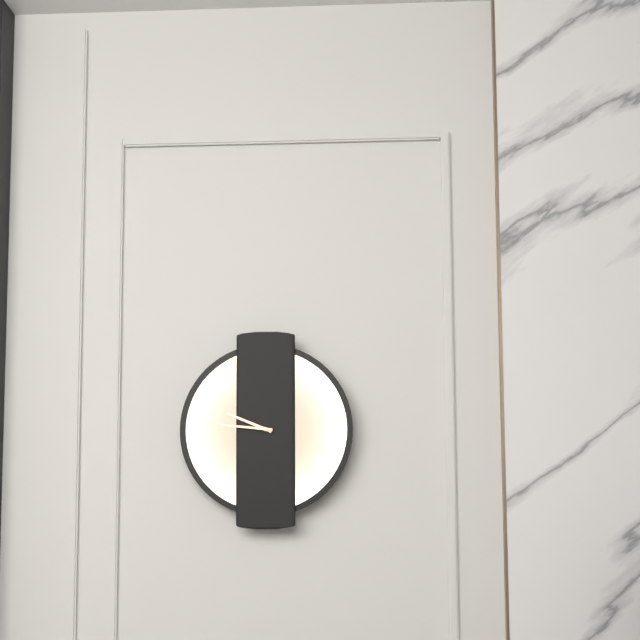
9:46
